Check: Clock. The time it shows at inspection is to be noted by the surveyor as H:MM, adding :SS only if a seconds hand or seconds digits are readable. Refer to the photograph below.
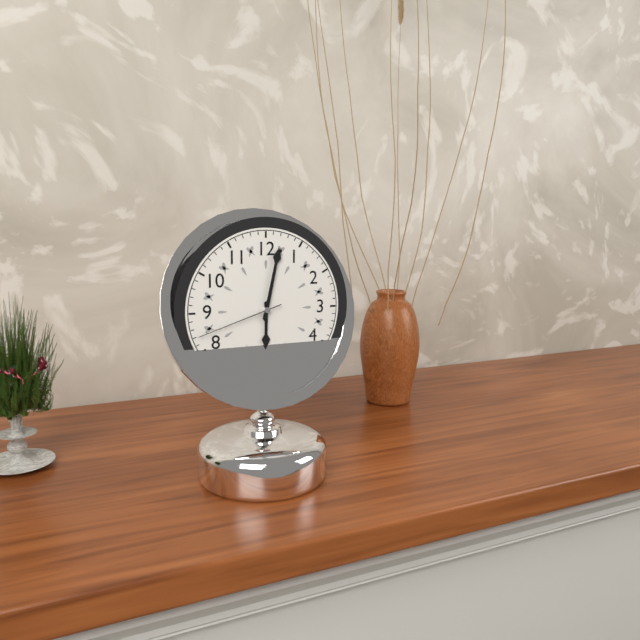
6:02:42
